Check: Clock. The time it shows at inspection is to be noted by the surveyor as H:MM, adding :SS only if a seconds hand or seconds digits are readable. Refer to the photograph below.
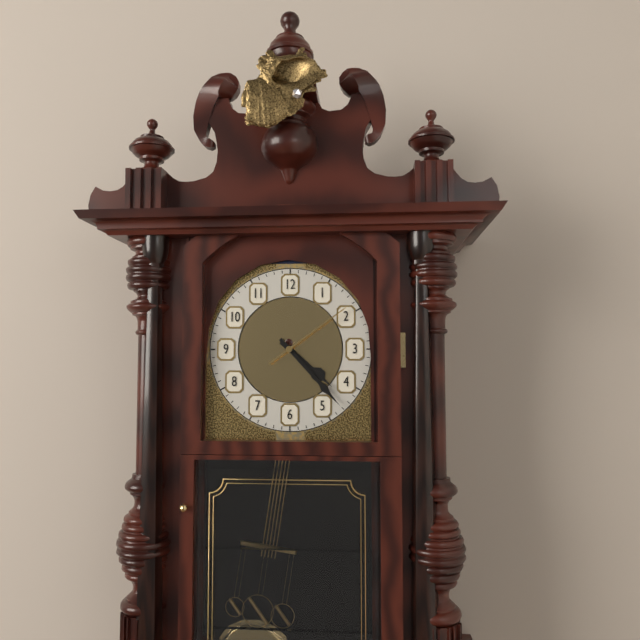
4:23:09
